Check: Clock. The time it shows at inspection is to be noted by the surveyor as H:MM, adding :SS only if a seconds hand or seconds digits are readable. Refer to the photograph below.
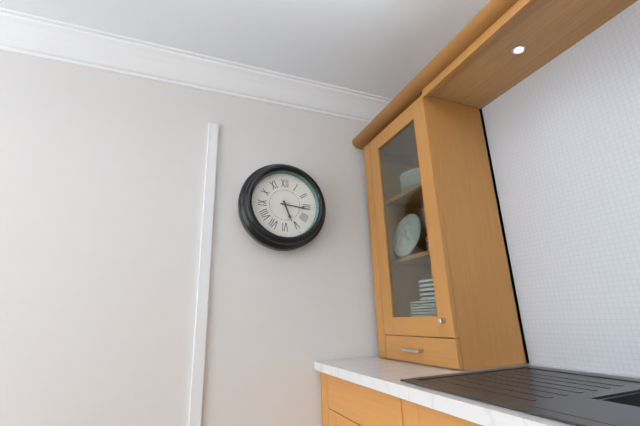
5:16
